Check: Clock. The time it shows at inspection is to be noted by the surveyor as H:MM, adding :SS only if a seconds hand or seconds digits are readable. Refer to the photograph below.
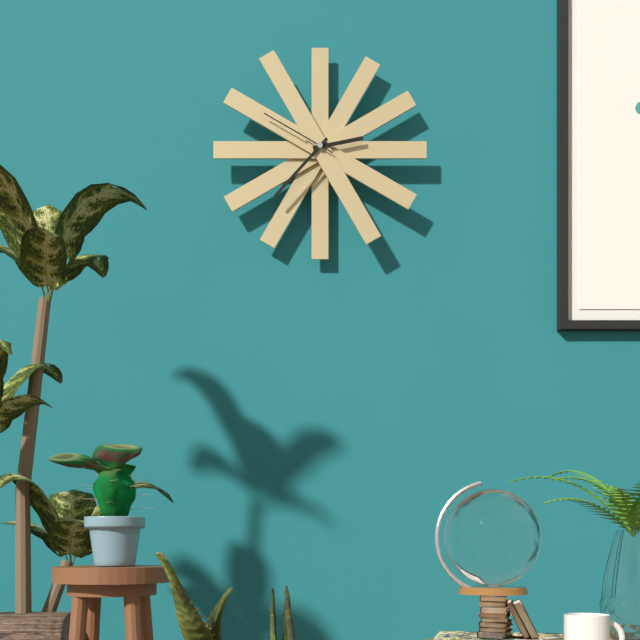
2:37:50
